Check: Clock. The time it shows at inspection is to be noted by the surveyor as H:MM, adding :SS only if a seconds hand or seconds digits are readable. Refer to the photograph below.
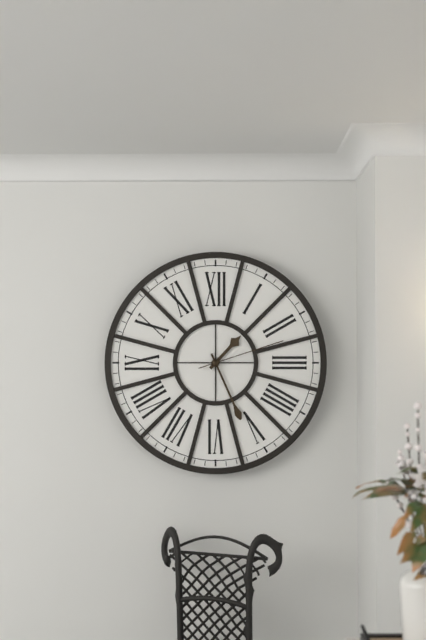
1:26:12
